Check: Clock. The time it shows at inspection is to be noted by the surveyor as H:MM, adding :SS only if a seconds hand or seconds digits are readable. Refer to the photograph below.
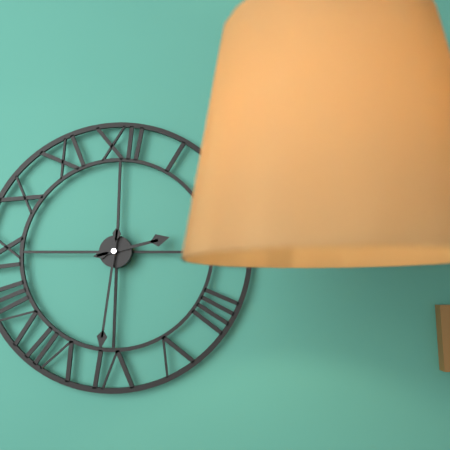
2:31
